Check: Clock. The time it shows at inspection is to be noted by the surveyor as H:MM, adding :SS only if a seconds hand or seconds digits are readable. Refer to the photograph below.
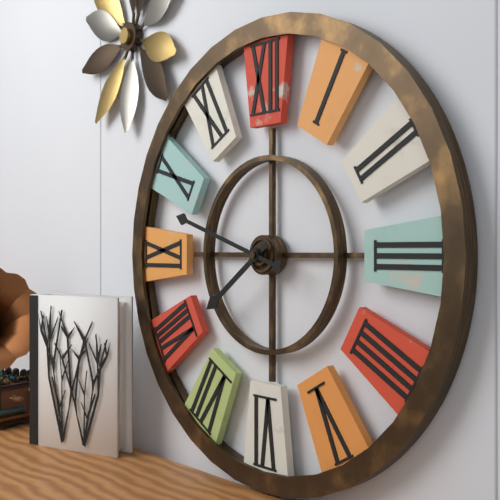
7:48
